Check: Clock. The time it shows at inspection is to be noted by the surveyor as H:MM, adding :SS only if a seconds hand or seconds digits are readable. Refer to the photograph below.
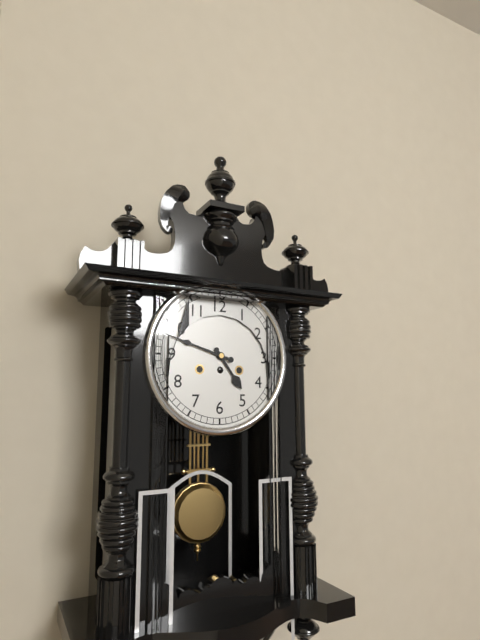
4:48
